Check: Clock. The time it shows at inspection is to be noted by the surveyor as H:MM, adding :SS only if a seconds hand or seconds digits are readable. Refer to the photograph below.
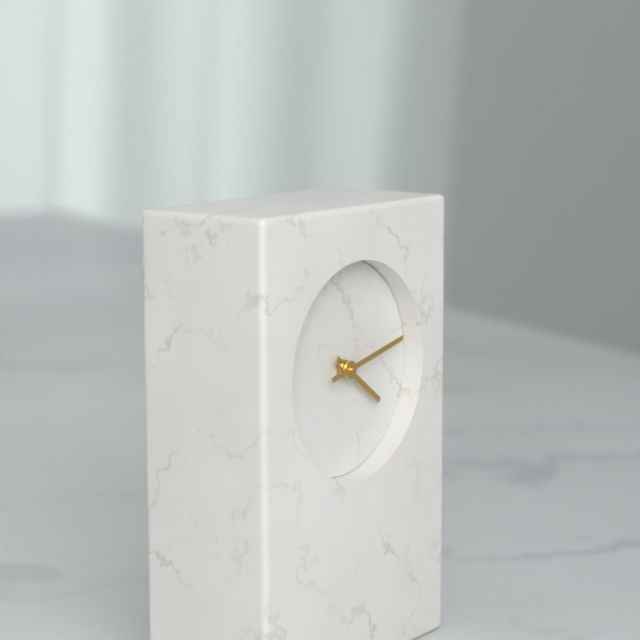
4:13
